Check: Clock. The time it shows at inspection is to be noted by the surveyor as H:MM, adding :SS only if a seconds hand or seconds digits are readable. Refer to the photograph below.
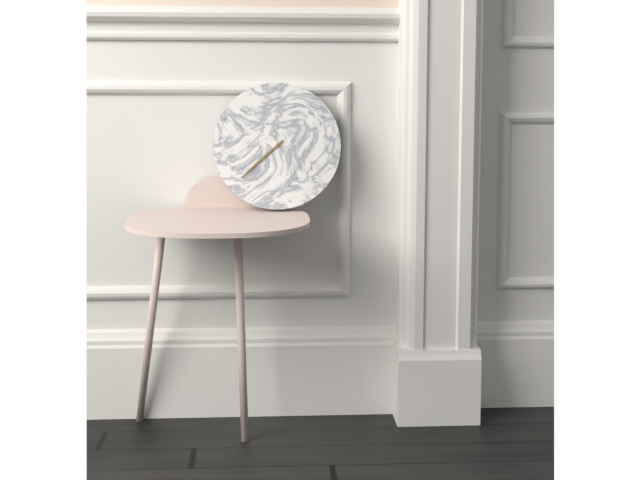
7:38
